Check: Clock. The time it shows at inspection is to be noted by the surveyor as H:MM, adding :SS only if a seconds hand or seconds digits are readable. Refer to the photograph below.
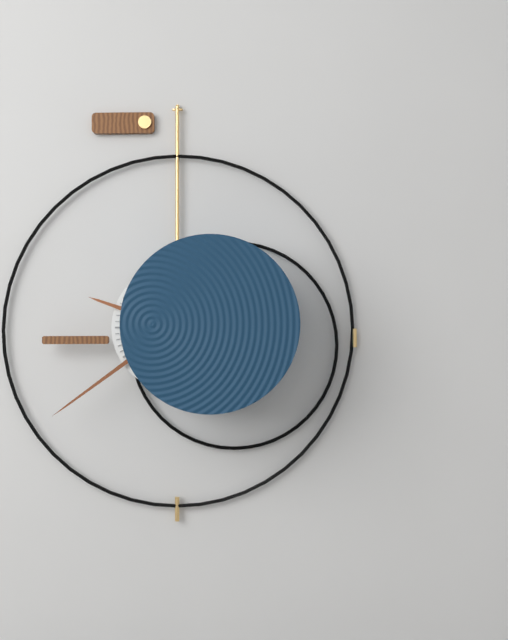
9:39
